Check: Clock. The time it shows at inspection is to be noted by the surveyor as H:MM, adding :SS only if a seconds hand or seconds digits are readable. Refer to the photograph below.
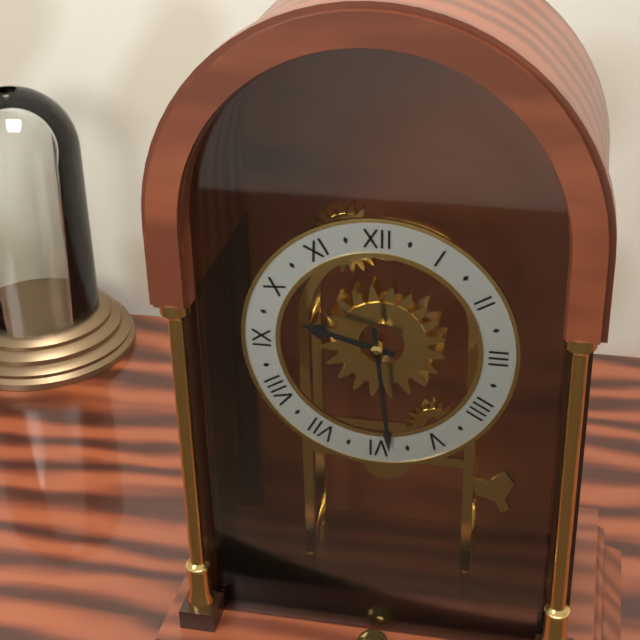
9:29
